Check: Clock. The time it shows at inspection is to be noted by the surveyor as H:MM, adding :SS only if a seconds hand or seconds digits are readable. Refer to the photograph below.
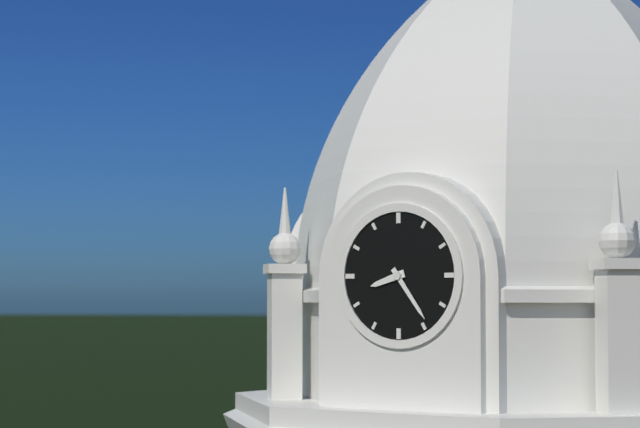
8:24
